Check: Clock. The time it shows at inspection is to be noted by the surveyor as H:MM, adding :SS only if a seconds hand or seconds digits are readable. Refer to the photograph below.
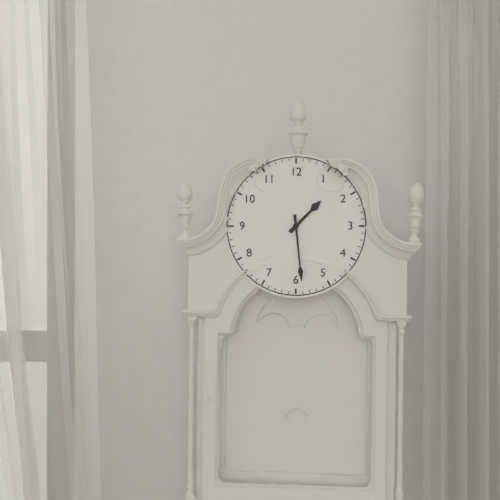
1:29
